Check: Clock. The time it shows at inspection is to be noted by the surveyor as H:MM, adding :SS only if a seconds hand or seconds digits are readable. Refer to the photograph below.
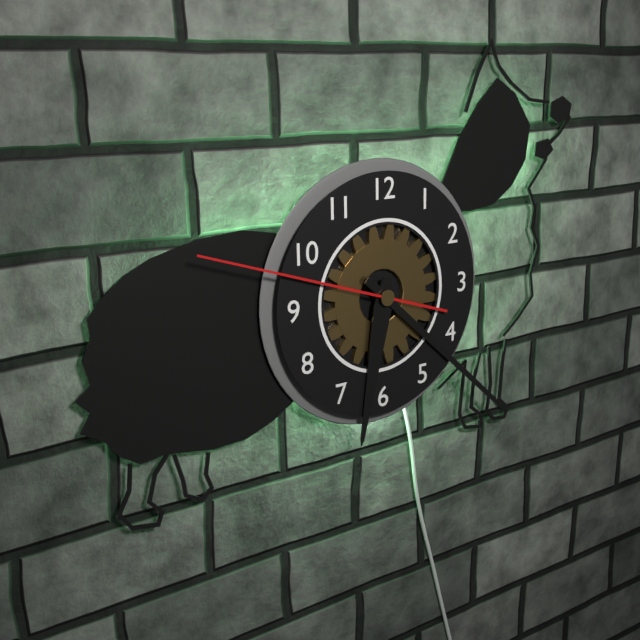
6:22:48
